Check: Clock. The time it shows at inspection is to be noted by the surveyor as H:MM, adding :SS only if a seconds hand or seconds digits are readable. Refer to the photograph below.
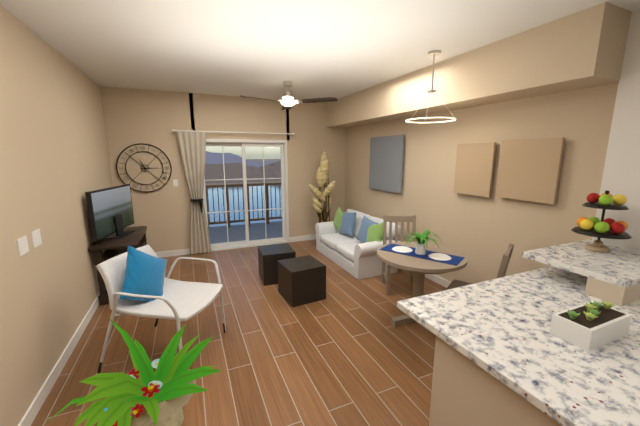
11:15
